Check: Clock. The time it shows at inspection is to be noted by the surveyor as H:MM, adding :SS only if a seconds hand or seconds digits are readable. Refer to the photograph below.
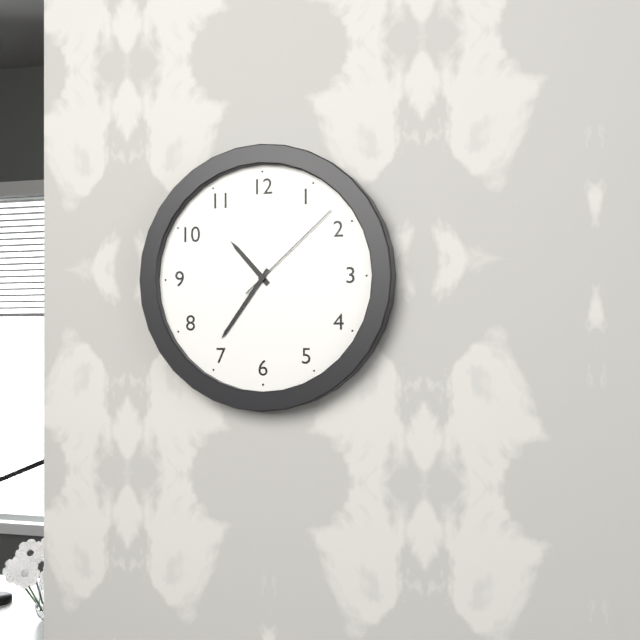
10:36:08
